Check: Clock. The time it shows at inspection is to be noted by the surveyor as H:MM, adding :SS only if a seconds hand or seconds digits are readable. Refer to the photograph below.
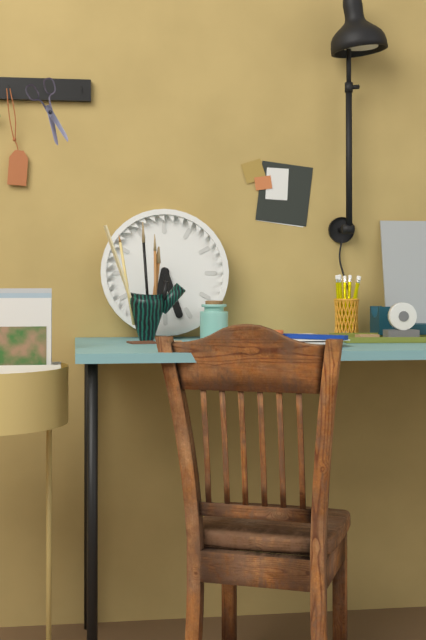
6:27
